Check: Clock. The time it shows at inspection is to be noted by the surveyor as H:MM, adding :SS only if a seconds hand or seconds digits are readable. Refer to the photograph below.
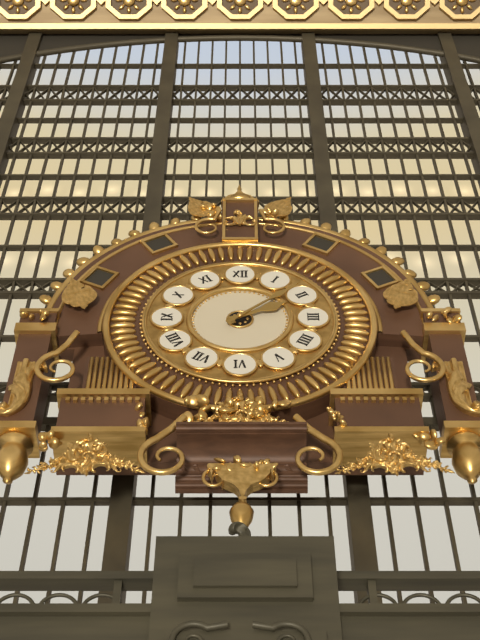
2:08
